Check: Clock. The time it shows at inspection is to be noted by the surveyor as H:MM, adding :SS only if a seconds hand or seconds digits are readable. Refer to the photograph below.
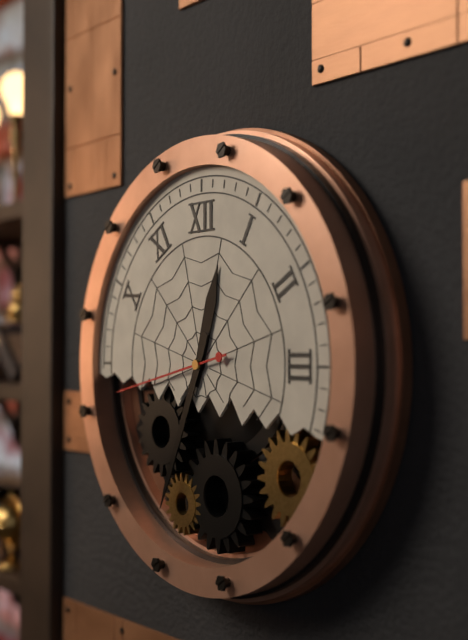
12:34:43
